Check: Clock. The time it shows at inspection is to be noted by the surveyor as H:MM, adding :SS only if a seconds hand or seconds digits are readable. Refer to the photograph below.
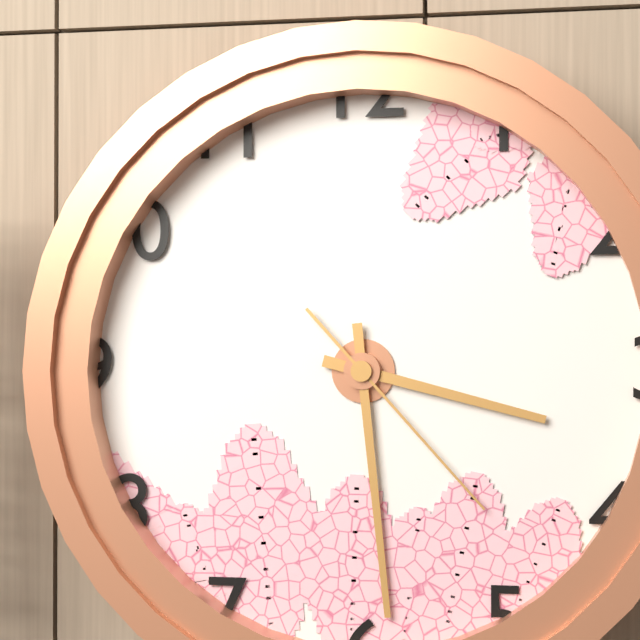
3:29:23
